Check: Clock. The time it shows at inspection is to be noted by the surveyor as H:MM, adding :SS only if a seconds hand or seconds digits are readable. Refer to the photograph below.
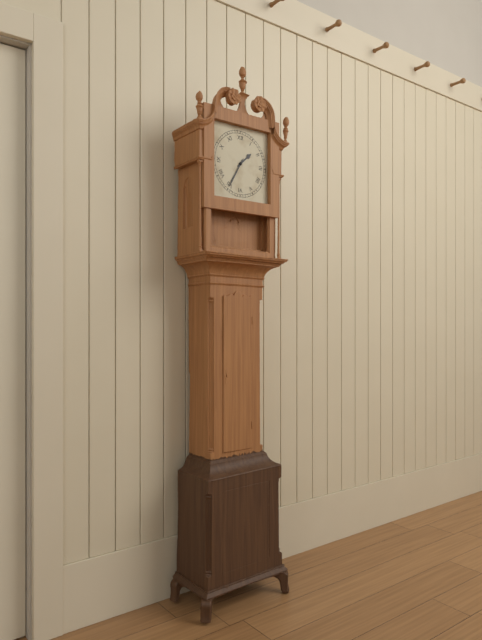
1:35
